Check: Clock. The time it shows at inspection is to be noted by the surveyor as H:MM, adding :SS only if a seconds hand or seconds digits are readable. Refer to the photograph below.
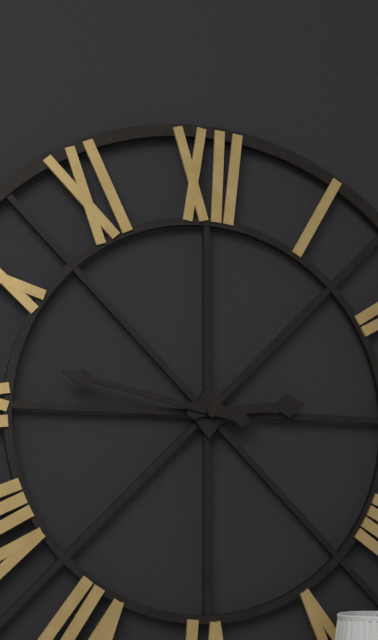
2:47
